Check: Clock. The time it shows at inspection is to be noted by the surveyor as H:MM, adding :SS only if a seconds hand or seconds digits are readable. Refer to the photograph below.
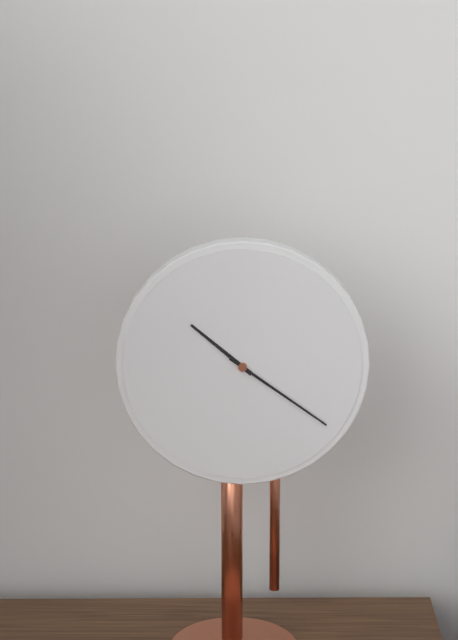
10:21
